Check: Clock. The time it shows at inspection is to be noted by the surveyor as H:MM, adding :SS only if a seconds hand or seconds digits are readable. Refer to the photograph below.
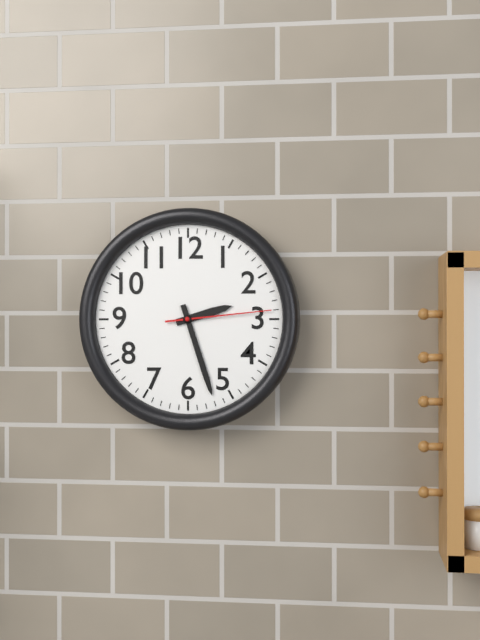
2:27:14
